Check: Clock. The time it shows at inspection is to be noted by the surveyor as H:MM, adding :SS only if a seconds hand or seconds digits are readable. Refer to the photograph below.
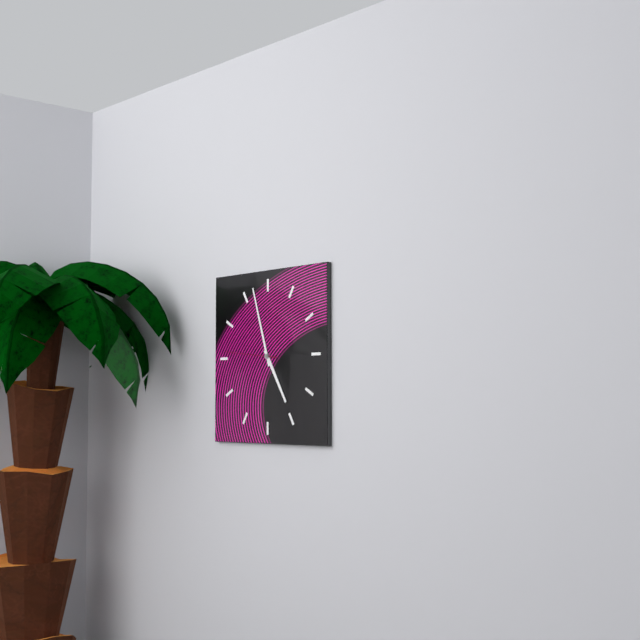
4:57:46
